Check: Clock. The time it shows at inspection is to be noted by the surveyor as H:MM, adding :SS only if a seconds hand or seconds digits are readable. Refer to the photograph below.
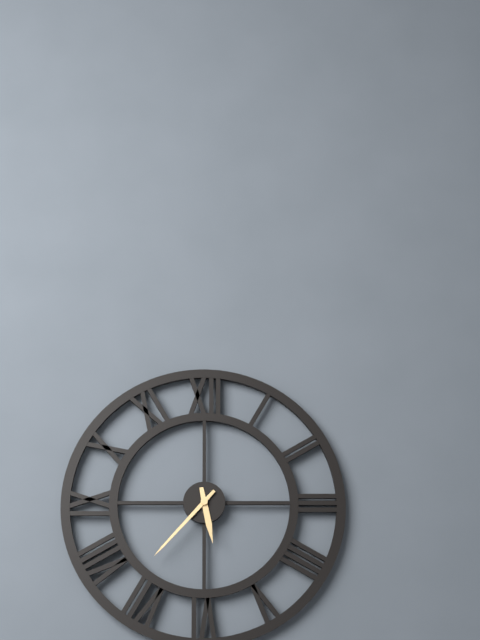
5:37
